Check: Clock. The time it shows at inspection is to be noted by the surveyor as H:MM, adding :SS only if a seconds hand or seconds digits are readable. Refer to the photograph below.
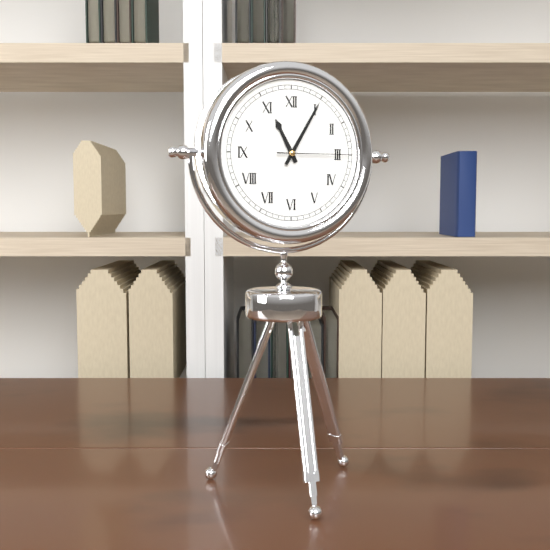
11:05:15
